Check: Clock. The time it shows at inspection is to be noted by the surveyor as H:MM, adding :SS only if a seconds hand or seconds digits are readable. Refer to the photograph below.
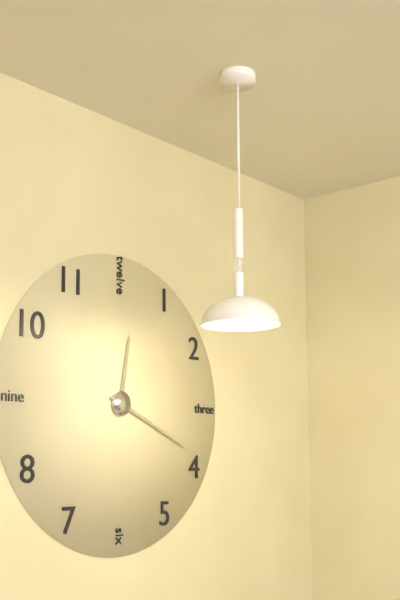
12:19
